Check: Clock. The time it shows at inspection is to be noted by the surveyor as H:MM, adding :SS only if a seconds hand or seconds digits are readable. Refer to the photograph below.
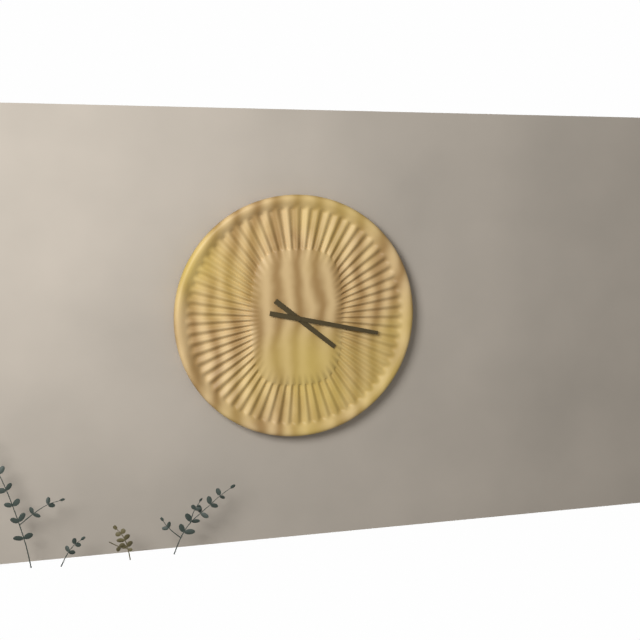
4:17
